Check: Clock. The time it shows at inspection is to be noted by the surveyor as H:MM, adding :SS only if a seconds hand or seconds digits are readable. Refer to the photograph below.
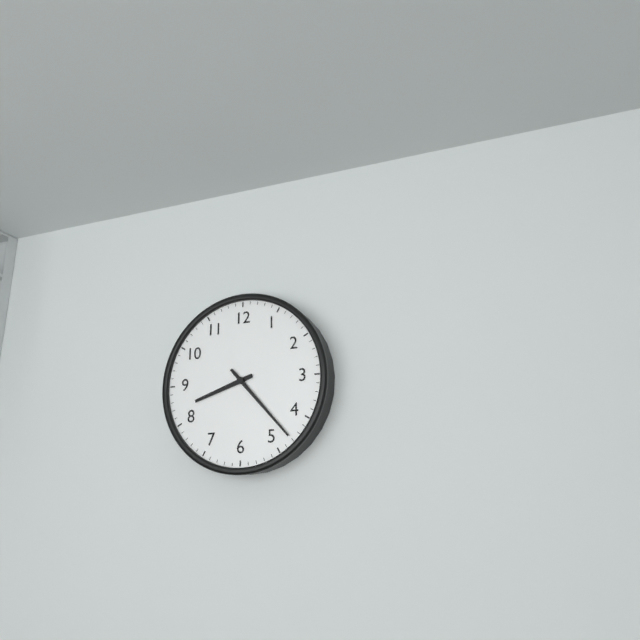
8:23
